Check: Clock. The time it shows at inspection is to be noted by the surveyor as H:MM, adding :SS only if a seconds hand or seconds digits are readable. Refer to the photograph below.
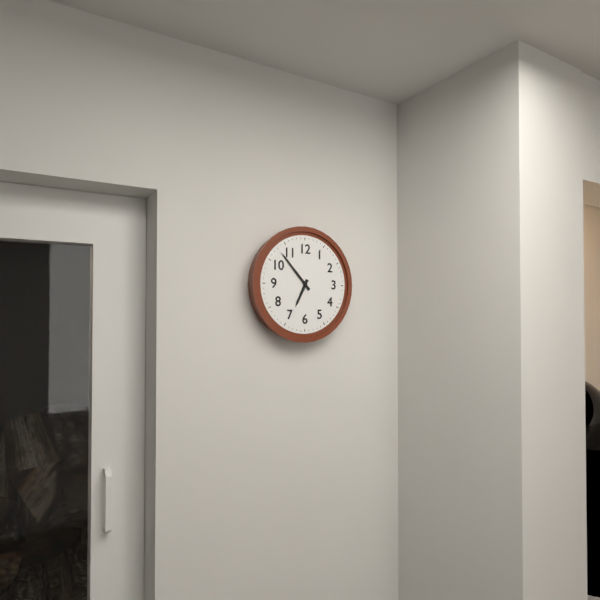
6:53
